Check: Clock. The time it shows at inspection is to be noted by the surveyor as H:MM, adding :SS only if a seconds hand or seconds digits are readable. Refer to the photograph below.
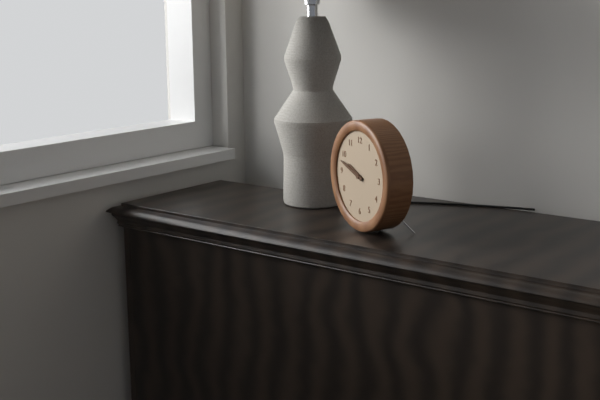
9:48
